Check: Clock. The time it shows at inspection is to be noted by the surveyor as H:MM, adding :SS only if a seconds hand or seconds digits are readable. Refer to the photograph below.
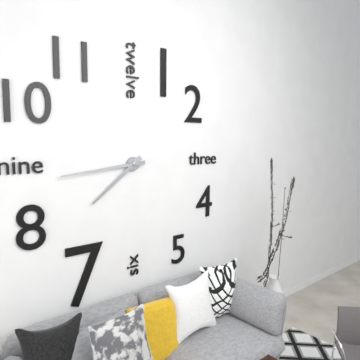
7:44
